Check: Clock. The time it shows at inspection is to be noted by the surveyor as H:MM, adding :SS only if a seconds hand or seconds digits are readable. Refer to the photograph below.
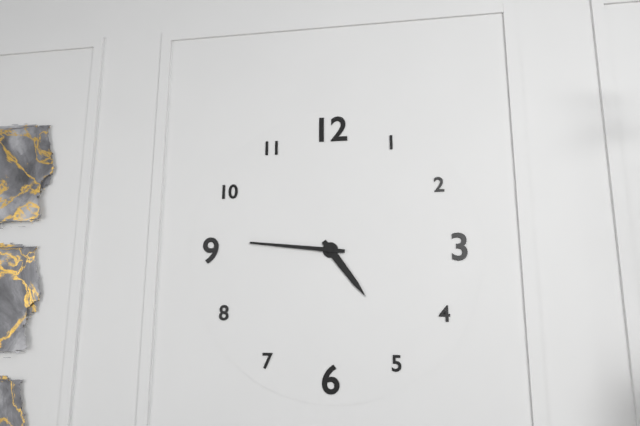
4:46
